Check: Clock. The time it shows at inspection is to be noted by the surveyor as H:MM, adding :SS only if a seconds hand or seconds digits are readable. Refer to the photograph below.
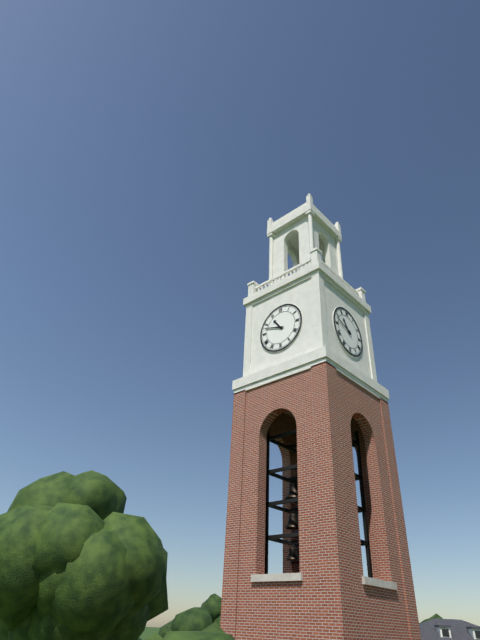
10:48
